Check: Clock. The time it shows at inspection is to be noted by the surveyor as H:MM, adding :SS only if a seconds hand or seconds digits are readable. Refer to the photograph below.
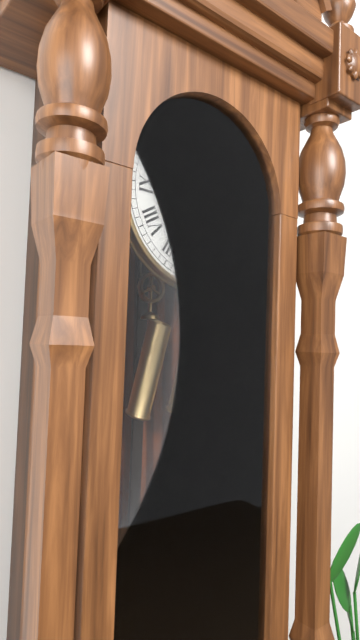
11:24
